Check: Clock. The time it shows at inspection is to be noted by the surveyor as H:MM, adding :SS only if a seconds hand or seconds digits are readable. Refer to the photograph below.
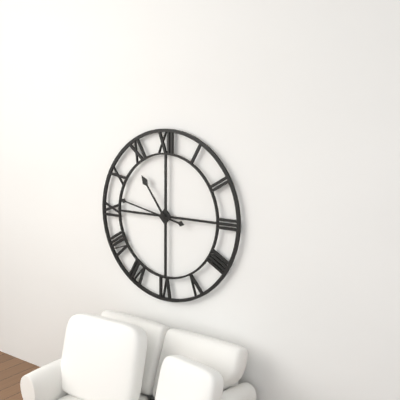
10:47
